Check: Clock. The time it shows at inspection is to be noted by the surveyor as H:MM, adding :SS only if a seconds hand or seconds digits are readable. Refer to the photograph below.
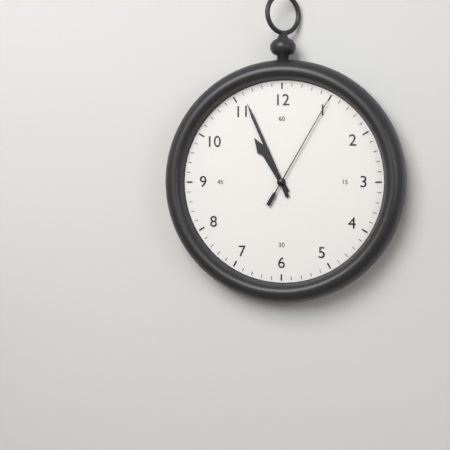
10:56:05
